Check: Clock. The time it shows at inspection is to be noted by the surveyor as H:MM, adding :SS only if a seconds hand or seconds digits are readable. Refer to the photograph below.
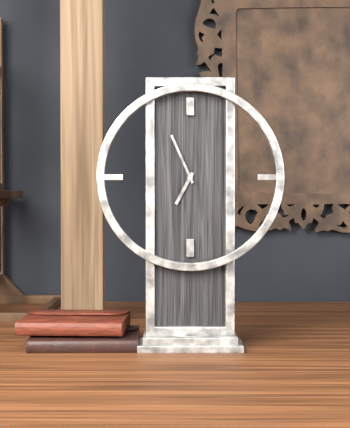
6:56
